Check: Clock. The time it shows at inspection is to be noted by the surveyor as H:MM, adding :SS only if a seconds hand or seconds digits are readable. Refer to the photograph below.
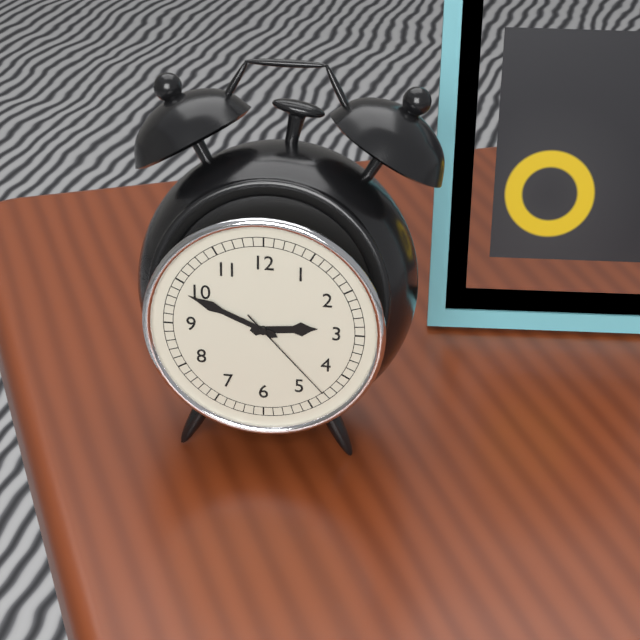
2:49:23
